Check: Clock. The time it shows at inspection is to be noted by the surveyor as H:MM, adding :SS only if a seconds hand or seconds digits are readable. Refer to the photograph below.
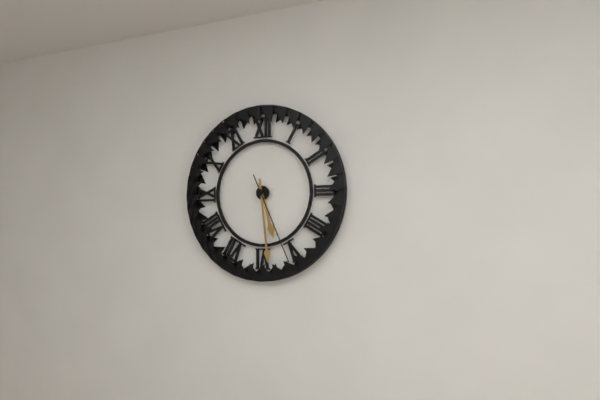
5:29:26
